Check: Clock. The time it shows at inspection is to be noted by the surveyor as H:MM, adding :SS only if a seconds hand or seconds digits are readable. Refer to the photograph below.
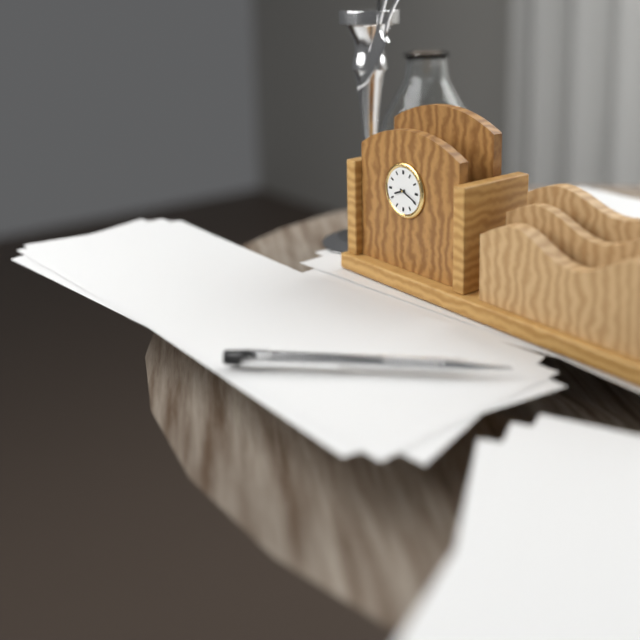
8:19
